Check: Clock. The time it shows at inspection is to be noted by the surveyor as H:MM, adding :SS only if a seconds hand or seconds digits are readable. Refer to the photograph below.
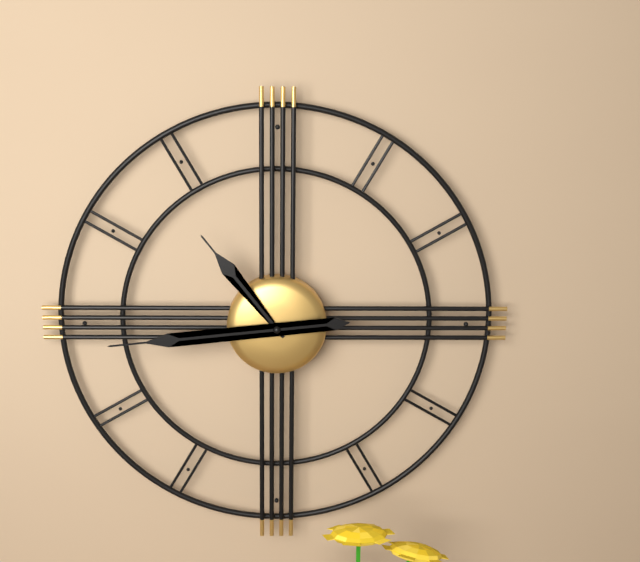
10:44
